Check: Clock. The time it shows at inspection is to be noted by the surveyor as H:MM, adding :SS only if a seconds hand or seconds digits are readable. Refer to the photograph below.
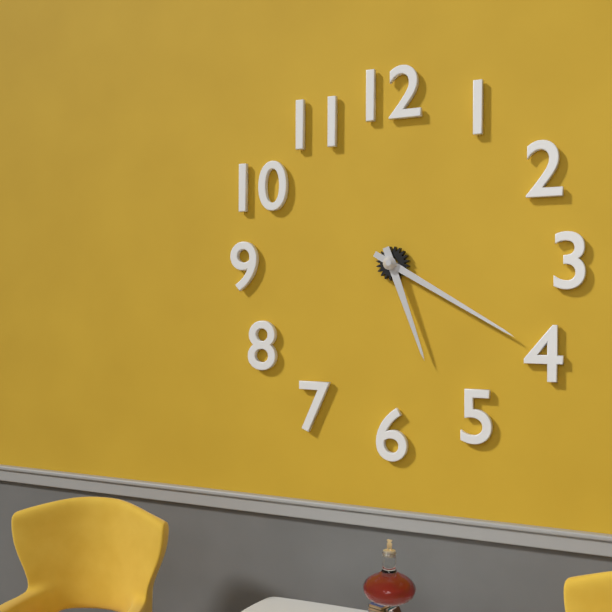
5:20
